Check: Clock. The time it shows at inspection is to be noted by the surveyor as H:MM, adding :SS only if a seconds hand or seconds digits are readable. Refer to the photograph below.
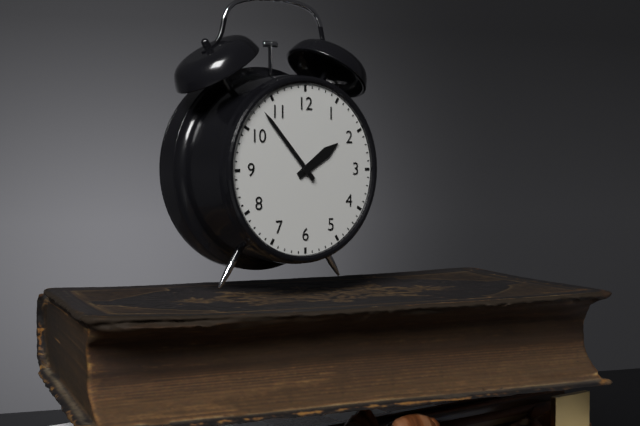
1:53
